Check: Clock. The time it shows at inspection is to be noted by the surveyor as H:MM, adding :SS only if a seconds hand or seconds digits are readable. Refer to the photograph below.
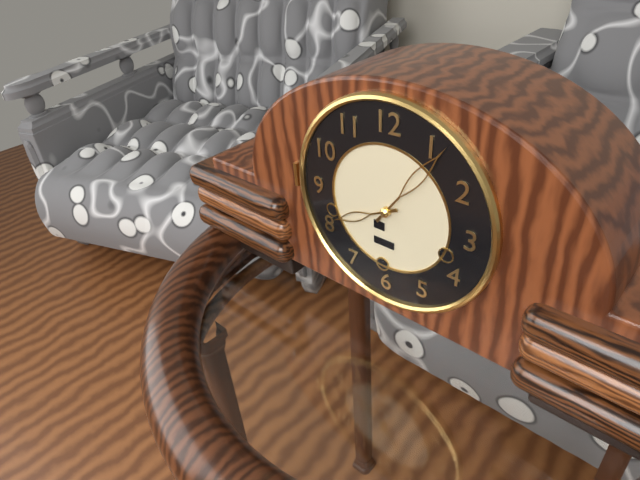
8:06
